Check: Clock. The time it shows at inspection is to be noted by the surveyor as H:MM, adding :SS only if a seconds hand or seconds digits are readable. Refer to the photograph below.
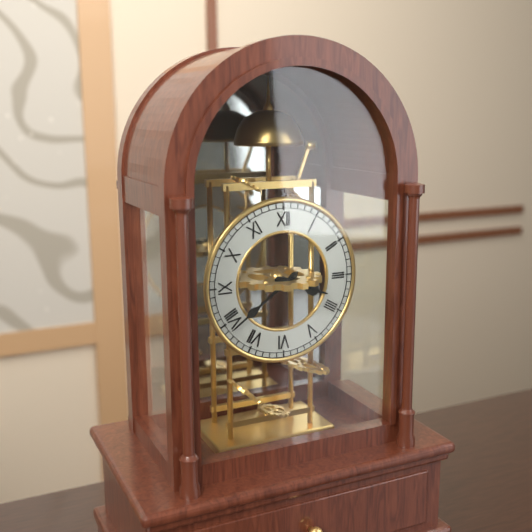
3:39
